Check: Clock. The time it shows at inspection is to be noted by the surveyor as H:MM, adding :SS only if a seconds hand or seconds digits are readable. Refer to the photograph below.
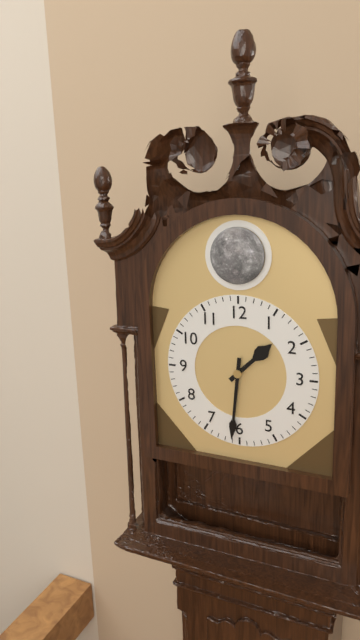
1:31
